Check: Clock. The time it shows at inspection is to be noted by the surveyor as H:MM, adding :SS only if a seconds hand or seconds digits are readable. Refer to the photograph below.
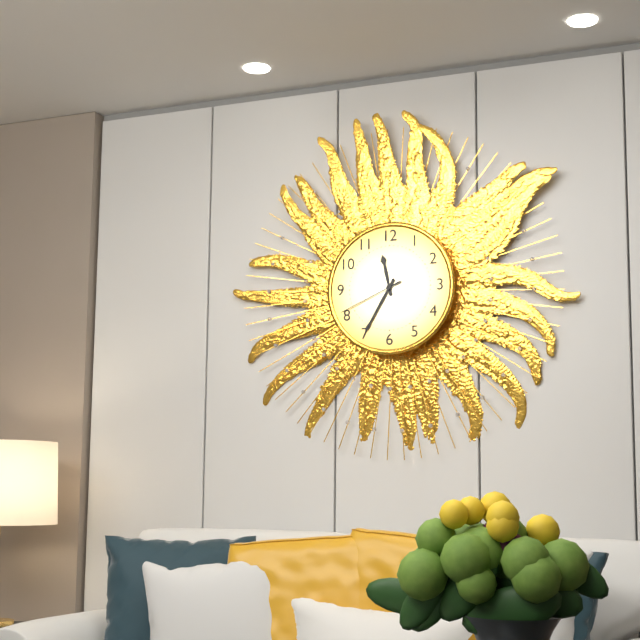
11:35:41
